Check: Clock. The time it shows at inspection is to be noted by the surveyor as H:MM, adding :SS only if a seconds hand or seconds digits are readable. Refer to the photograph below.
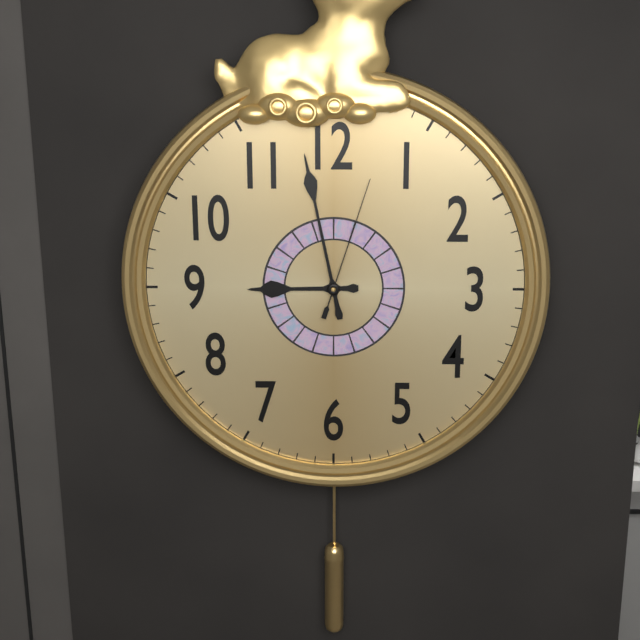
8:58:03
